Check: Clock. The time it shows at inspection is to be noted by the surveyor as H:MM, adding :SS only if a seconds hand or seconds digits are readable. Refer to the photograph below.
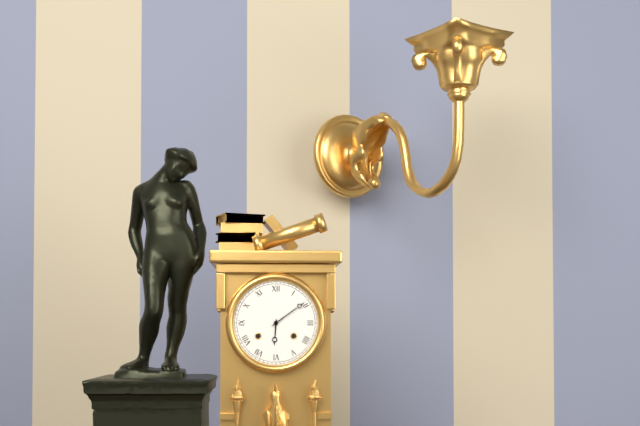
6:09
